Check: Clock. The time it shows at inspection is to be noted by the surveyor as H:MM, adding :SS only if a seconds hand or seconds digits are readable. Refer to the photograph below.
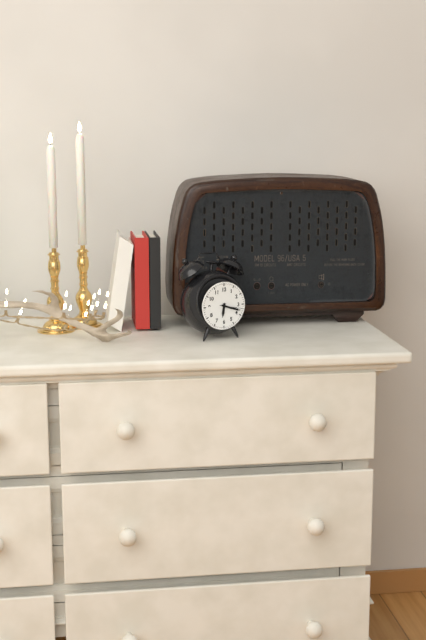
6:18
